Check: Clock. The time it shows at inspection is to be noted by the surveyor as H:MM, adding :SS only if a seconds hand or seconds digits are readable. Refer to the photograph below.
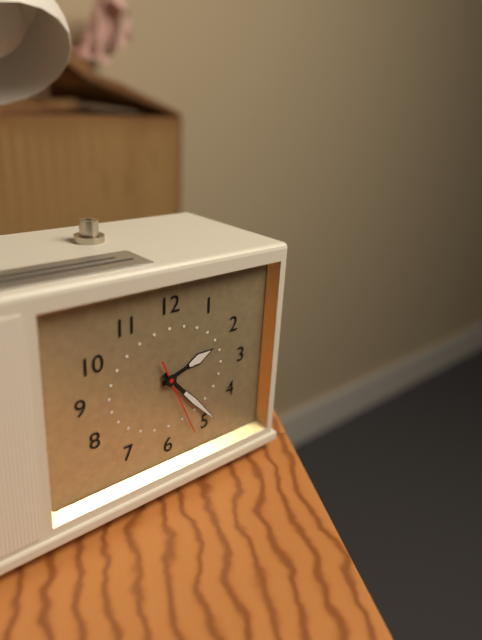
2:23:26
